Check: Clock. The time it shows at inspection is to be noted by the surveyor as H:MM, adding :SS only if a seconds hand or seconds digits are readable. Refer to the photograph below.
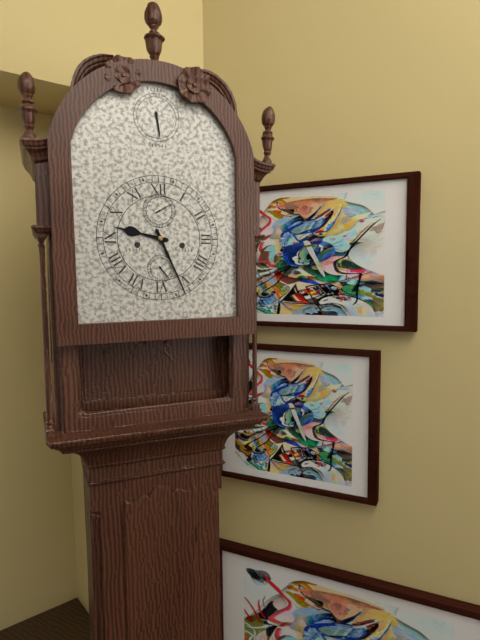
9:26
